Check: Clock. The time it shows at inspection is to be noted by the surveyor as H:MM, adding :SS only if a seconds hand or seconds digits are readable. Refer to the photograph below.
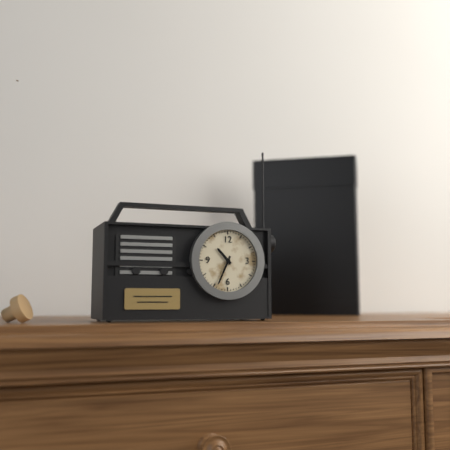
10:34
